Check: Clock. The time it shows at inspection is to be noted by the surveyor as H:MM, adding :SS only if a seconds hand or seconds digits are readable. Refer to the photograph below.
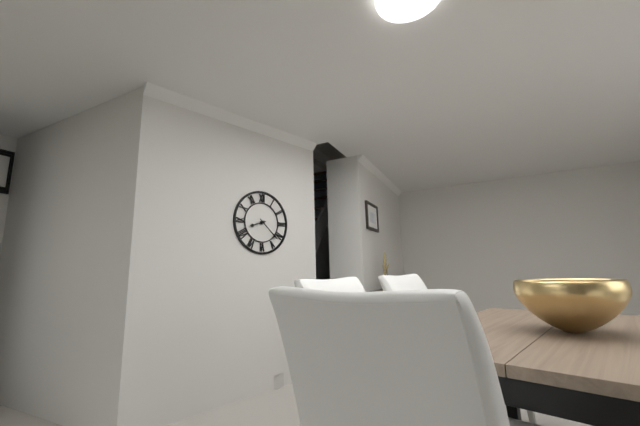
8:22
